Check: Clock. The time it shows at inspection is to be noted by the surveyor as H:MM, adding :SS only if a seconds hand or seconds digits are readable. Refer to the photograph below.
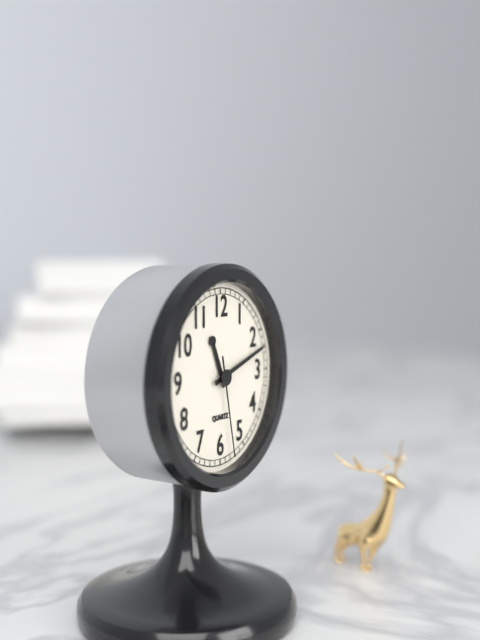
11:12:28
